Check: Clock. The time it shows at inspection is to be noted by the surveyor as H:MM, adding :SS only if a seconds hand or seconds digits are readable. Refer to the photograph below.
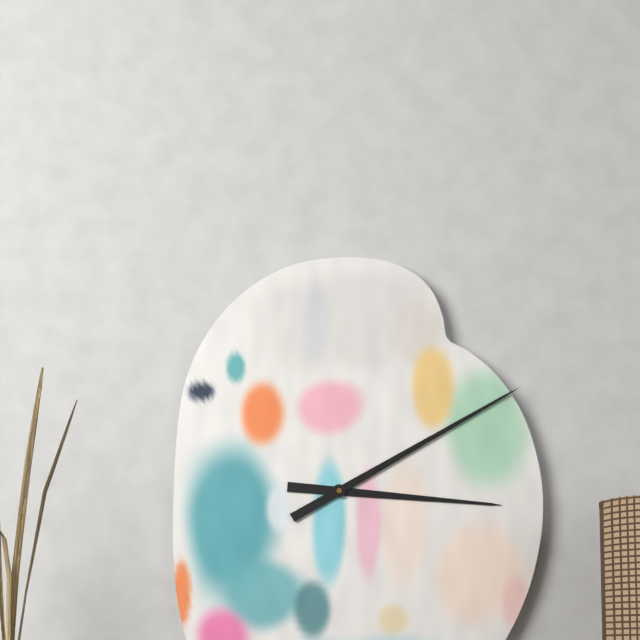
3:10
